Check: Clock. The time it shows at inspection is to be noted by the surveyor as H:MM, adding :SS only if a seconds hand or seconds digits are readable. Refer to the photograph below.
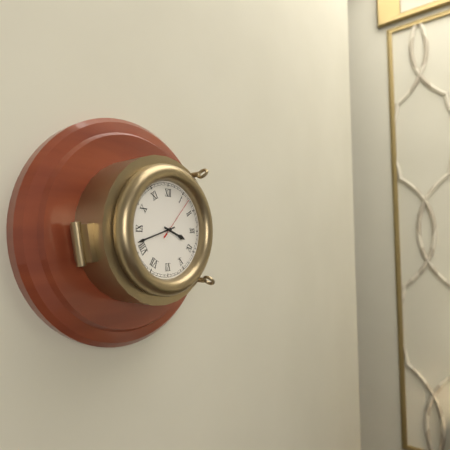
3:42
